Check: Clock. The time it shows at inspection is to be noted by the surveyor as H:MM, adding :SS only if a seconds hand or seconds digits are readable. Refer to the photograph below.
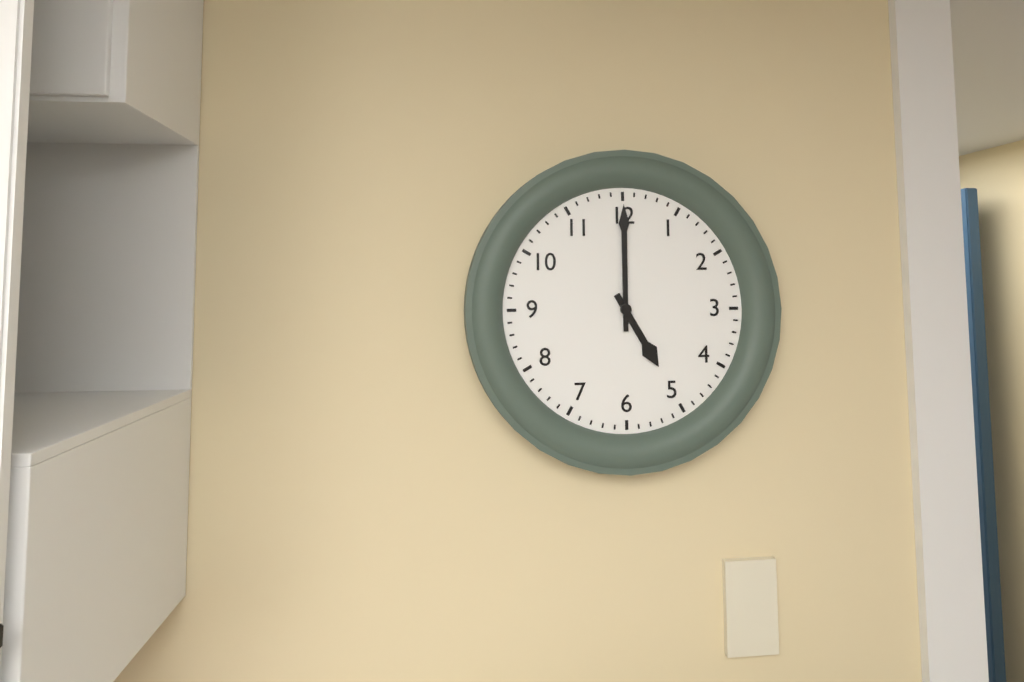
5:00
